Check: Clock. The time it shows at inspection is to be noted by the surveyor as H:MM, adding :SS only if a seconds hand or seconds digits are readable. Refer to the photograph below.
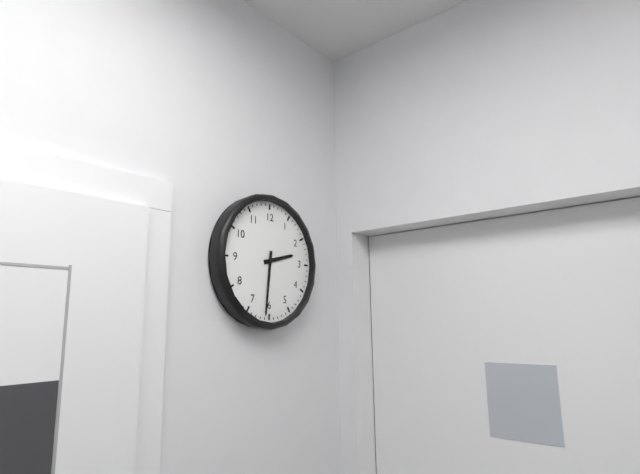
2:31
